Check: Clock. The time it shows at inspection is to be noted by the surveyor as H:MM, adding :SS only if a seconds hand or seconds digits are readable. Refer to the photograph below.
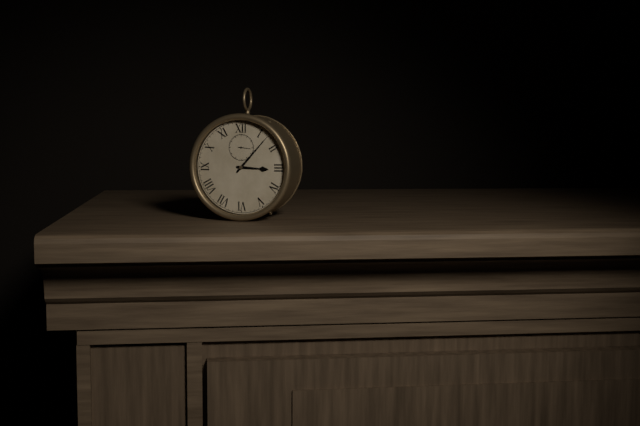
3:07
